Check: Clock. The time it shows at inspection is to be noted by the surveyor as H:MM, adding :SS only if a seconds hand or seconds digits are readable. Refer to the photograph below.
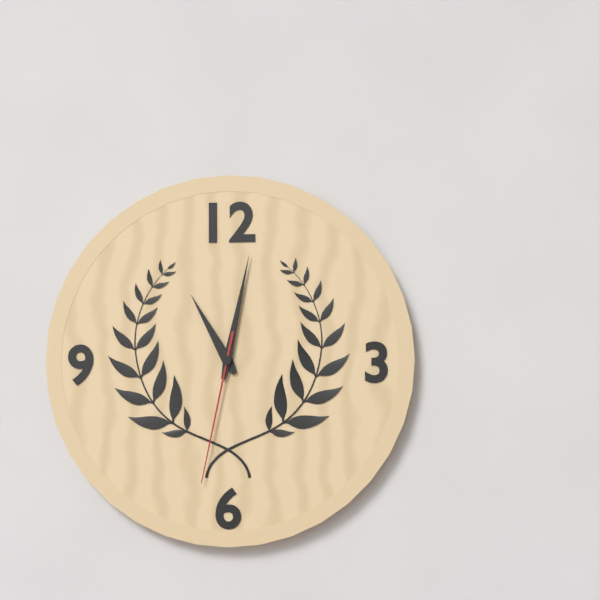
11:02:32
